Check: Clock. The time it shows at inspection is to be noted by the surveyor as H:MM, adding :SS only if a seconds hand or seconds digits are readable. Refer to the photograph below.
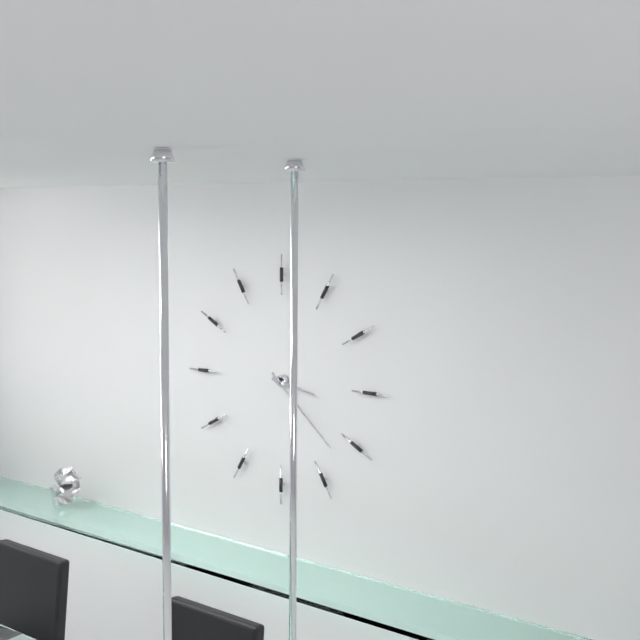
3:22
